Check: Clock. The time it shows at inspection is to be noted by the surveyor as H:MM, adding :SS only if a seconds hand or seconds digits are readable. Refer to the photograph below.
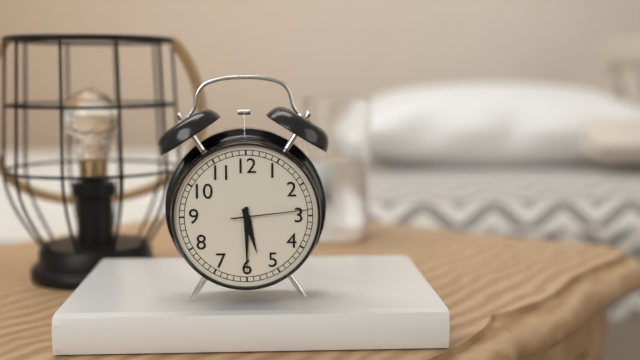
5:30:14
